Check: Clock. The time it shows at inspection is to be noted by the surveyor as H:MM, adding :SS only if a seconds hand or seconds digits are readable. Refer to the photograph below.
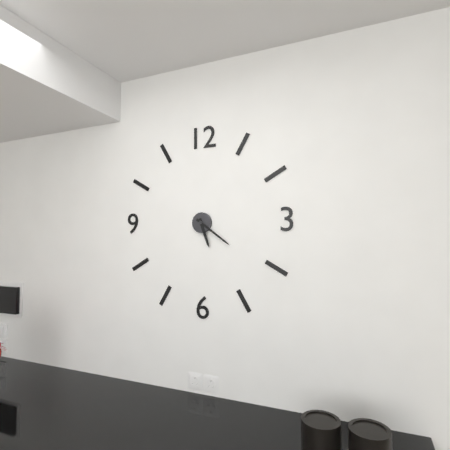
5:21
